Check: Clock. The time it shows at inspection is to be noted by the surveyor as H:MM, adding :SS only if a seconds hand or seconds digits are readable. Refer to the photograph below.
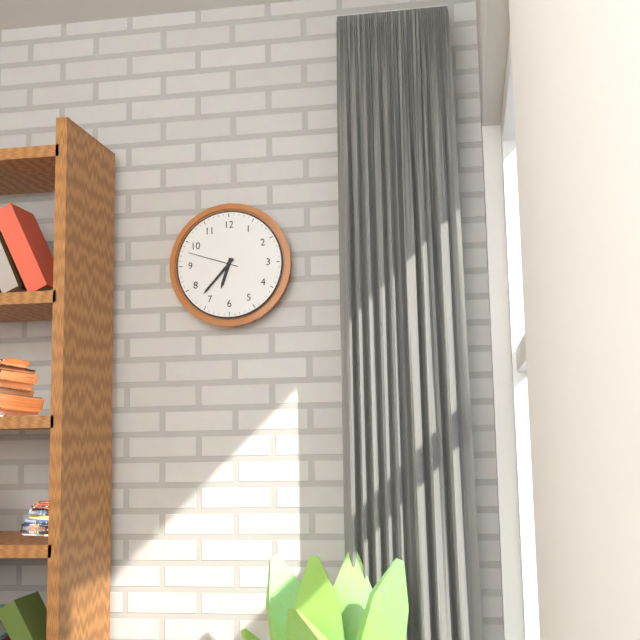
6:37:48
